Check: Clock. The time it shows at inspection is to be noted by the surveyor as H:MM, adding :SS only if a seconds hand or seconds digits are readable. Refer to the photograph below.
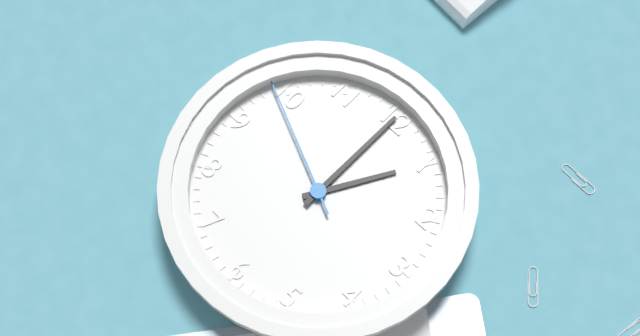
1:00:49
